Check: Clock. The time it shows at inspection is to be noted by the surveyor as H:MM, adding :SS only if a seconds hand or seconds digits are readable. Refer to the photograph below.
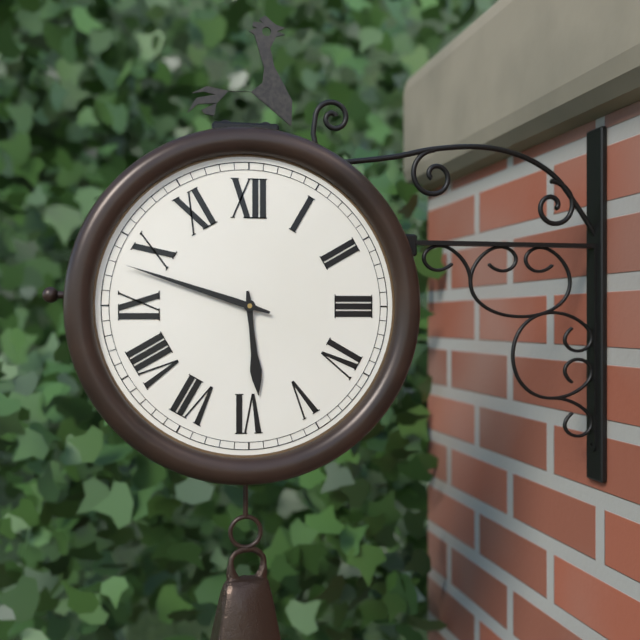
5:48
